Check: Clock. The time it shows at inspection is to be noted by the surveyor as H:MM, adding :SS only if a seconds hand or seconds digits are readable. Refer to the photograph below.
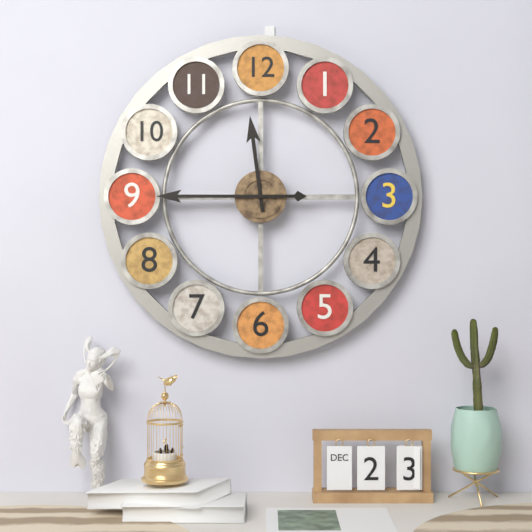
11:45
